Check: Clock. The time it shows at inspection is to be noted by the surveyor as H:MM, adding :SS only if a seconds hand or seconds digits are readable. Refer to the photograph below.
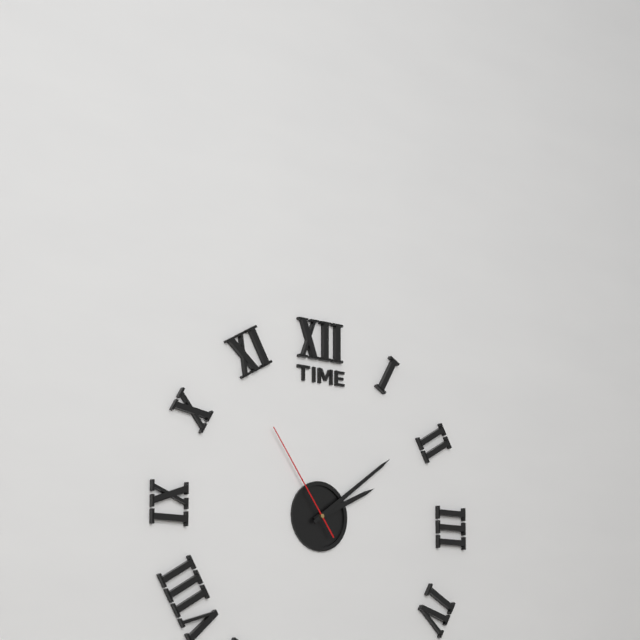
2:09:54
